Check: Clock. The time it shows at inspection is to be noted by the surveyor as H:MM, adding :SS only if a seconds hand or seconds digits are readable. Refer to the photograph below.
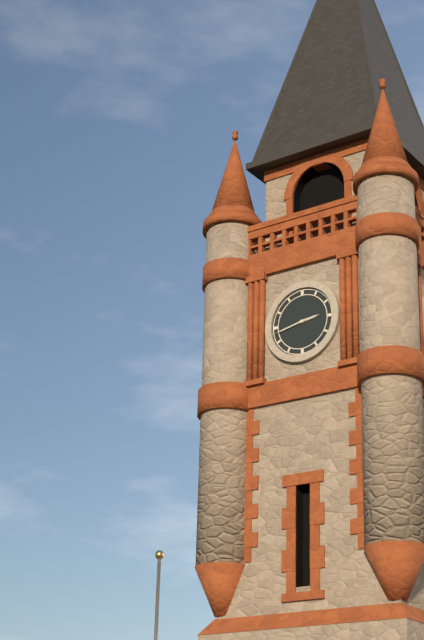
2:43
